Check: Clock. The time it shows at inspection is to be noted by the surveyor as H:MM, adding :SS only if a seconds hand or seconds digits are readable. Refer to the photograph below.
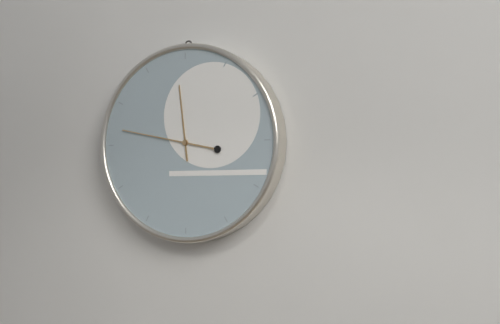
11:47
